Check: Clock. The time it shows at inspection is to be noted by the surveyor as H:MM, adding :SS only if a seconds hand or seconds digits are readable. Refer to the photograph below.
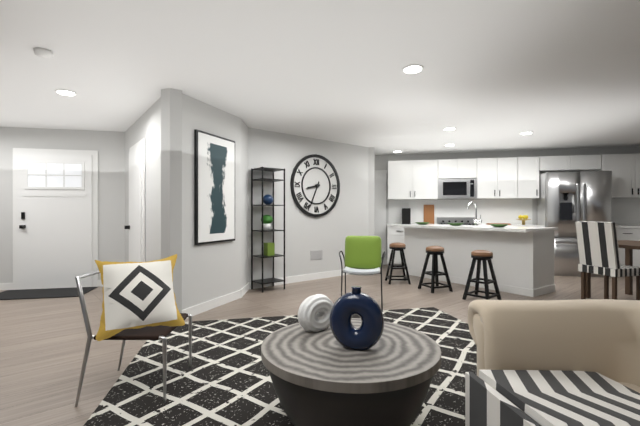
8:34
